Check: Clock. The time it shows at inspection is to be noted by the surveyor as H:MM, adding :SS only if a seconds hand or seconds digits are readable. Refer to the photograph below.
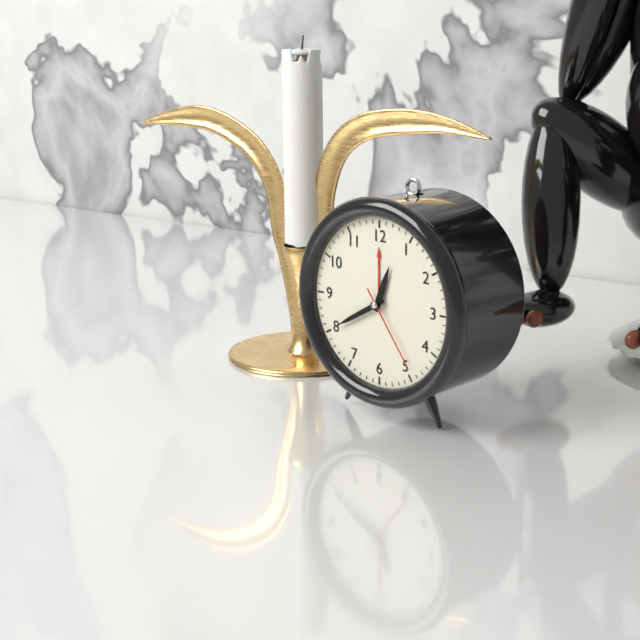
12:40:24
